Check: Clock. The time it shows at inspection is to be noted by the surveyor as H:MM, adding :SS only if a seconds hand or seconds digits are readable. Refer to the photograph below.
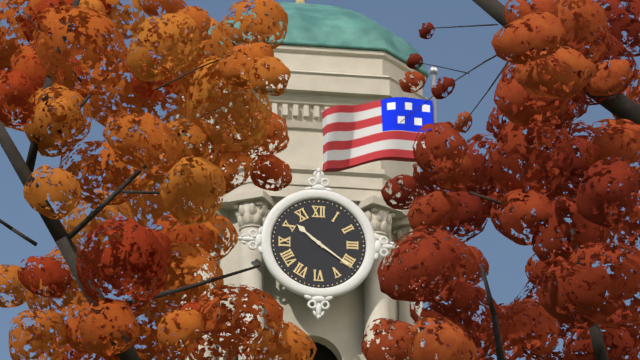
10:21
